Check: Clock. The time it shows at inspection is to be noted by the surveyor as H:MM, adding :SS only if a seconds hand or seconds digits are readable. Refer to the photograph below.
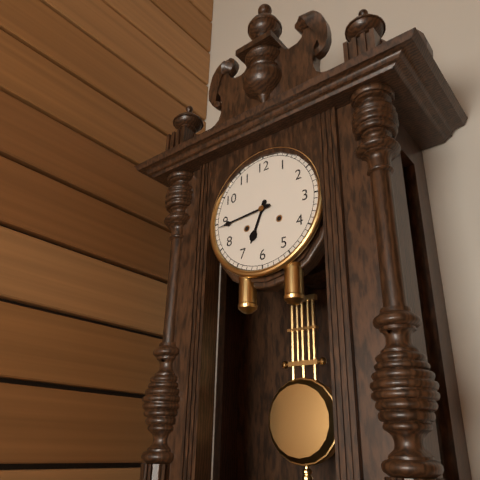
6:44
